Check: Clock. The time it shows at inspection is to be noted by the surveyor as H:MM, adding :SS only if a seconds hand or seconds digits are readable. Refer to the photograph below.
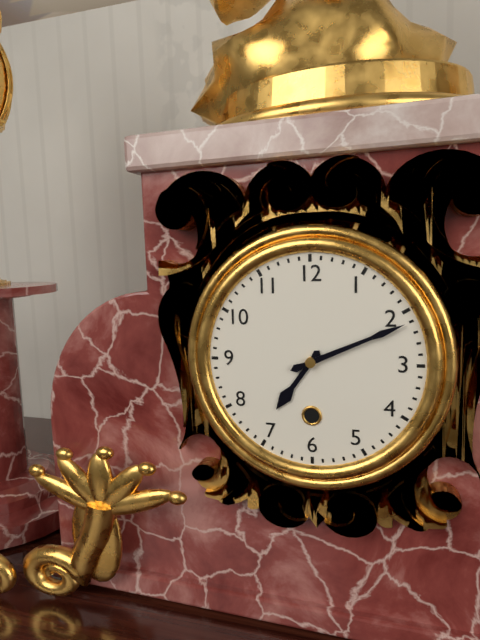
7:11
